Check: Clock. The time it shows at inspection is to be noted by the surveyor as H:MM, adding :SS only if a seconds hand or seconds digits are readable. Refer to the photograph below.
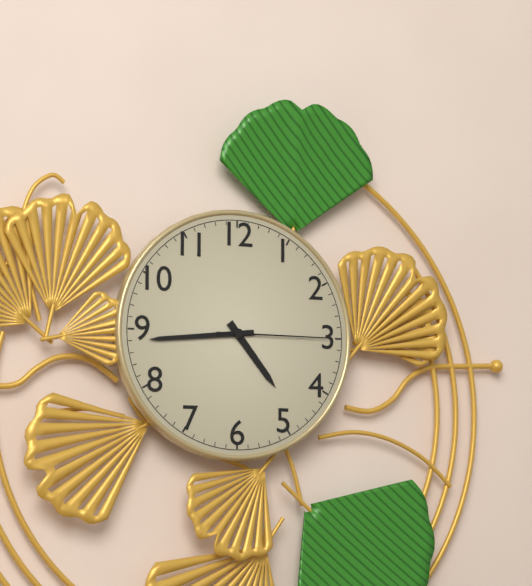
4:44:15
